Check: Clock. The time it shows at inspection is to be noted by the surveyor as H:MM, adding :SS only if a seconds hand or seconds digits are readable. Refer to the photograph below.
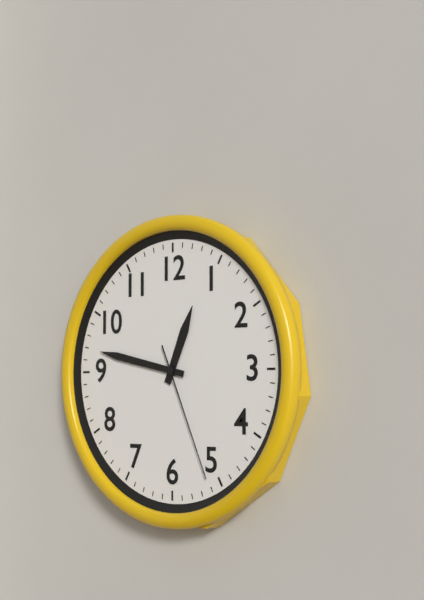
12:47:26
